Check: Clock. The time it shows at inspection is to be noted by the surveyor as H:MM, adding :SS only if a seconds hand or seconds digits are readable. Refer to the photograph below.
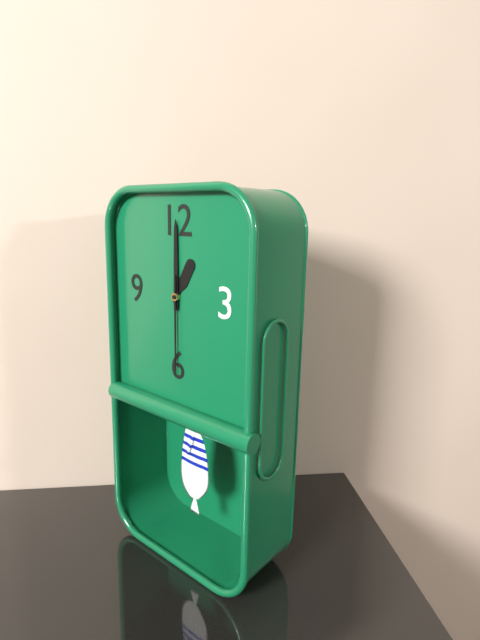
1:00:30
